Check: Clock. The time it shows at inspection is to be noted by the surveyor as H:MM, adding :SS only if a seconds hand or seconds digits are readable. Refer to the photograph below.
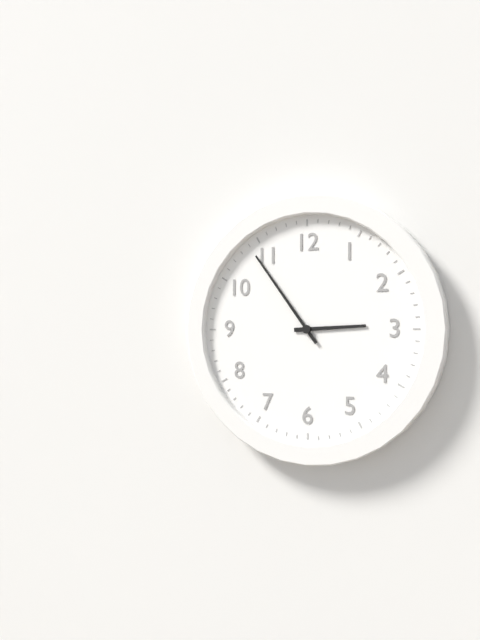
2:54
